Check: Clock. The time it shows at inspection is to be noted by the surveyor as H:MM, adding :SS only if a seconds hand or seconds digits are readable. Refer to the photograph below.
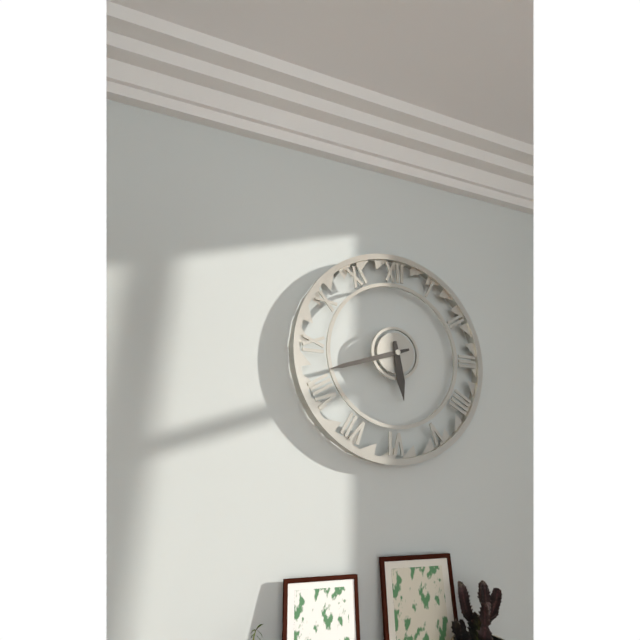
5:42
